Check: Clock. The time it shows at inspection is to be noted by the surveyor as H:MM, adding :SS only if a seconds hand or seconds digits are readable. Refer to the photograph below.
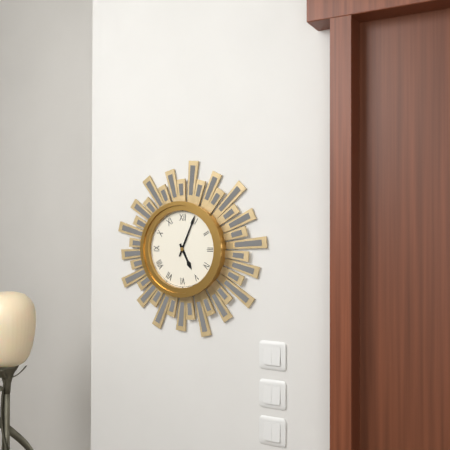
5:04
